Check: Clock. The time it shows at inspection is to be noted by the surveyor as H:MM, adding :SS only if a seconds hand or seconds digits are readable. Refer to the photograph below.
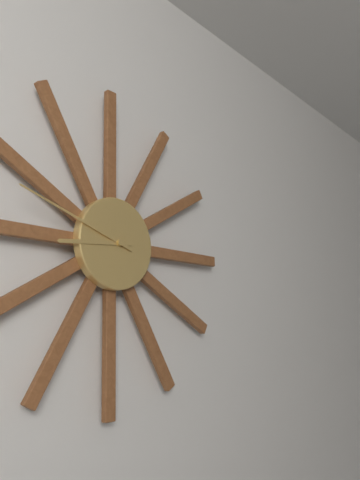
8:48
